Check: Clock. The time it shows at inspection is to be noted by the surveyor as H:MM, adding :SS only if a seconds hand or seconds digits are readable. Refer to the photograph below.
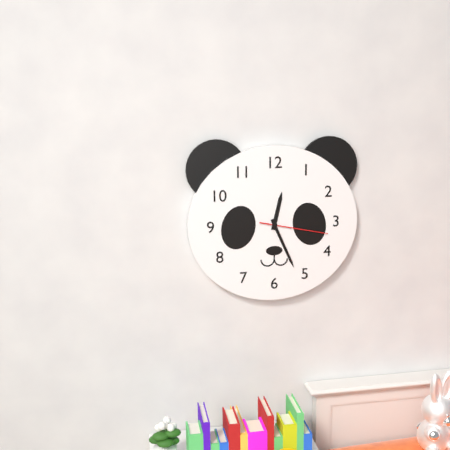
12:26:17
